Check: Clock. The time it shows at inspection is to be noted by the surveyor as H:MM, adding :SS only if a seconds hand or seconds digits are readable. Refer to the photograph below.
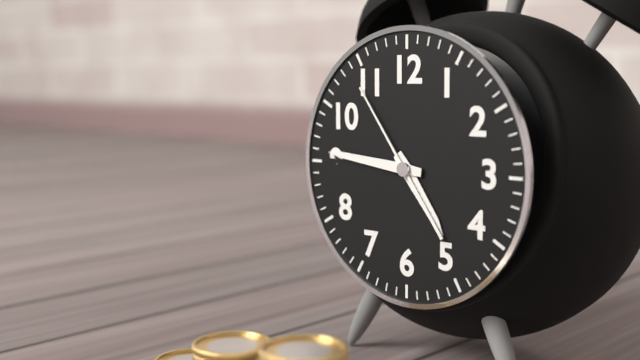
4:46:54
